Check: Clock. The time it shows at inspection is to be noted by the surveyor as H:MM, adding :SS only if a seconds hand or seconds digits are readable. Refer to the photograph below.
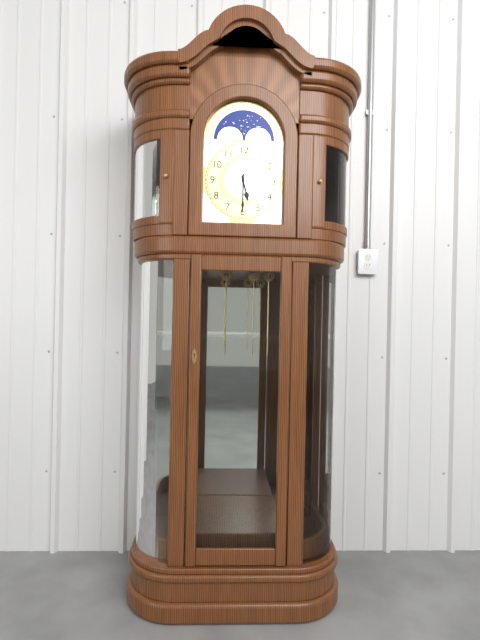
5:30
